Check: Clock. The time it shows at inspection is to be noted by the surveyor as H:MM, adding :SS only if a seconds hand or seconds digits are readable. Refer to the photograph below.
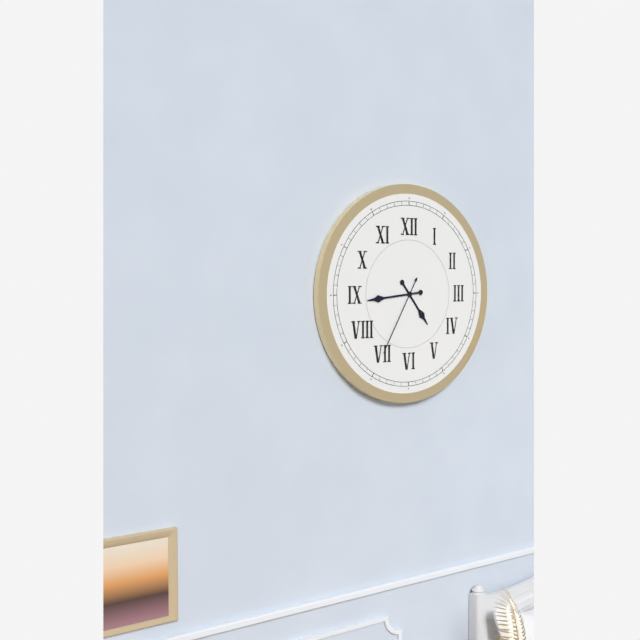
4:44:35
